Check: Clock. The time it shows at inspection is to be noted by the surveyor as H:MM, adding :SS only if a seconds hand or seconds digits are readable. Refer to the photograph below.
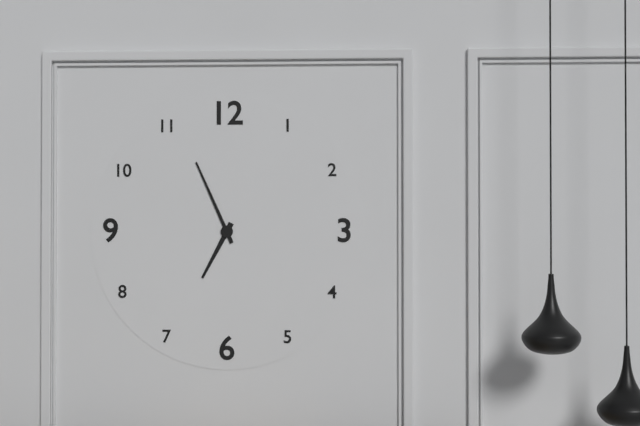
6:56
